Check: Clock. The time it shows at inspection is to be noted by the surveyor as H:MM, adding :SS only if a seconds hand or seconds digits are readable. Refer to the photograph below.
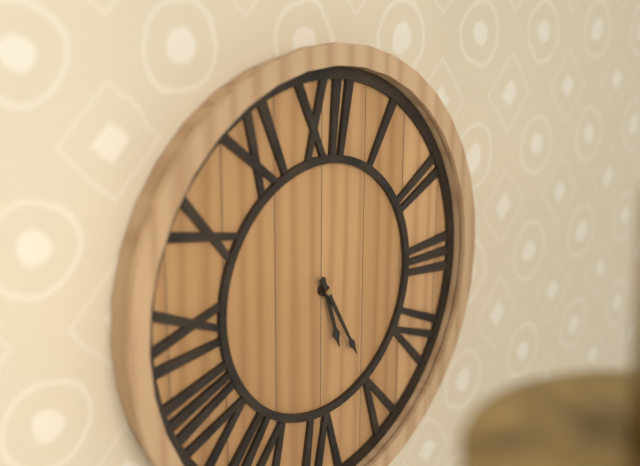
5:25
